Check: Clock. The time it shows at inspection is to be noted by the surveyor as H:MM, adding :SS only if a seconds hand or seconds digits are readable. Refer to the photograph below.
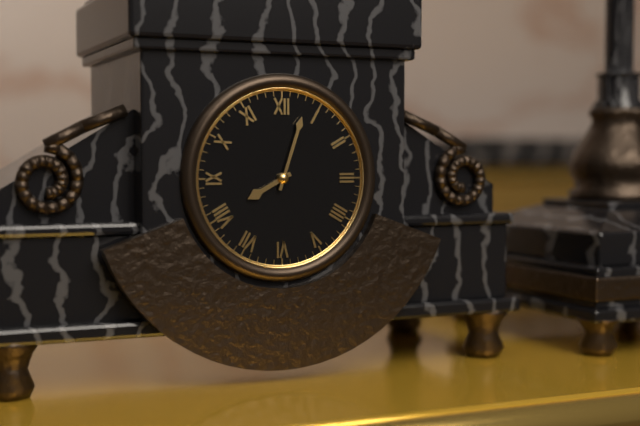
8:03
